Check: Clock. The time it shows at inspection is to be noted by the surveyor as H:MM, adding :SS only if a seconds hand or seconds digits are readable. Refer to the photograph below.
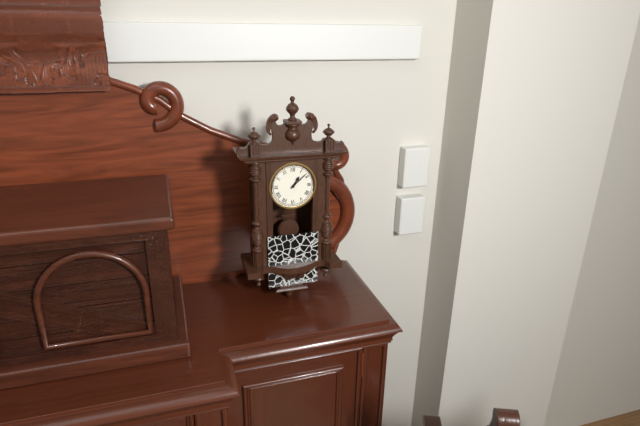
1:08
